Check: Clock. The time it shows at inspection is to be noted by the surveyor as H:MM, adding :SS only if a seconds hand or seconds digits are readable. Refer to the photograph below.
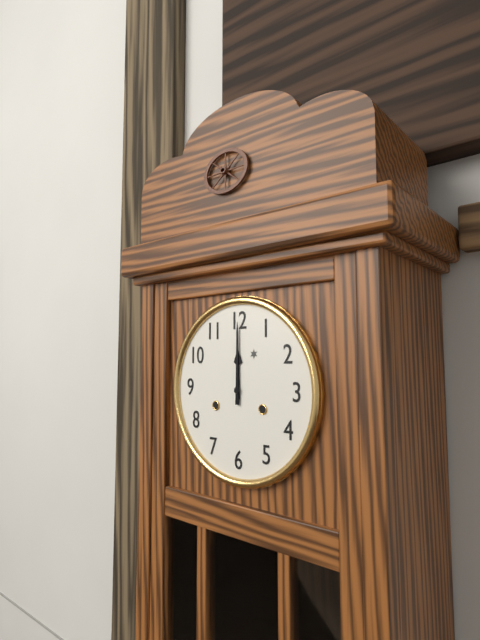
12:00
